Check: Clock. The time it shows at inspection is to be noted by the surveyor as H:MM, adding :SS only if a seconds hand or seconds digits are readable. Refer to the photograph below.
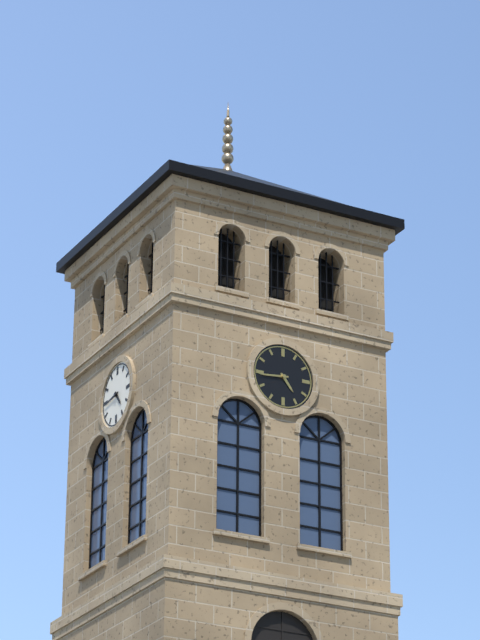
4:44
